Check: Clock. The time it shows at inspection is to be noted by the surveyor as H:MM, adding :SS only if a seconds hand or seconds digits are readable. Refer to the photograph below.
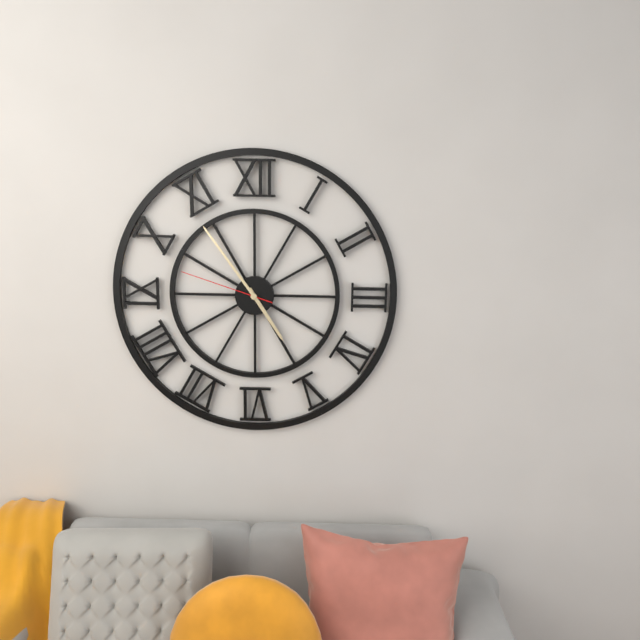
4:54:48
